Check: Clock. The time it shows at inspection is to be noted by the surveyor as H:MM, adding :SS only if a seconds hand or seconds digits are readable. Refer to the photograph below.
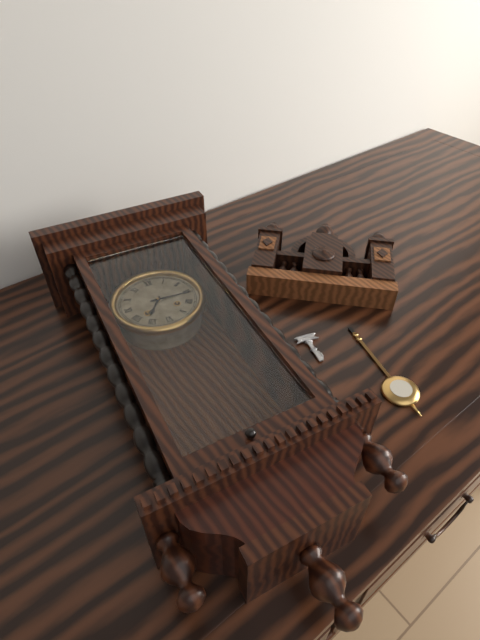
7:16
